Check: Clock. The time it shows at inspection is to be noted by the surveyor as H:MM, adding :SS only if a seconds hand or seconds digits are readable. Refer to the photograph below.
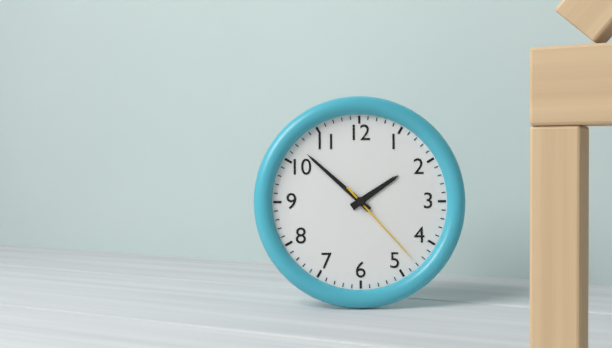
1:52:23
